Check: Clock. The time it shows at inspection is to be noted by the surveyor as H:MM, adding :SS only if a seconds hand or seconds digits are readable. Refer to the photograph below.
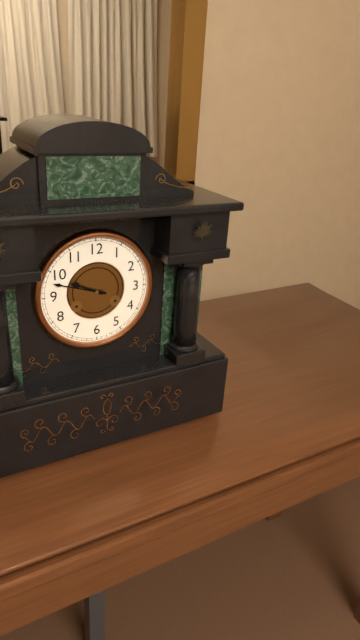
9:48
